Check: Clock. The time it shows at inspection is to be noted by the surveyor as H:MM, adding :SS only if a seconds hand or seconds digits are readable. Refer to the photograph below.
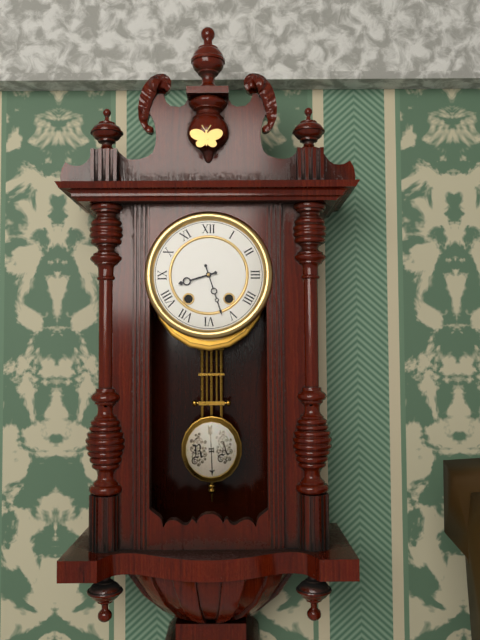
8:27
